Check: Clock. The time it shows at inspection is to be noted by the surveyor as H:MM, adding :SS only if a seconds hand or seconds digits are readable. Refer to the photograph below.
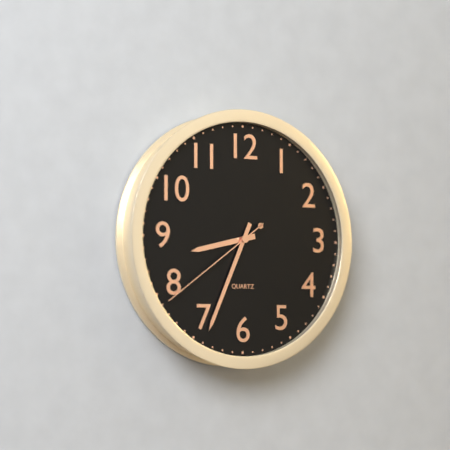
8:34:39
